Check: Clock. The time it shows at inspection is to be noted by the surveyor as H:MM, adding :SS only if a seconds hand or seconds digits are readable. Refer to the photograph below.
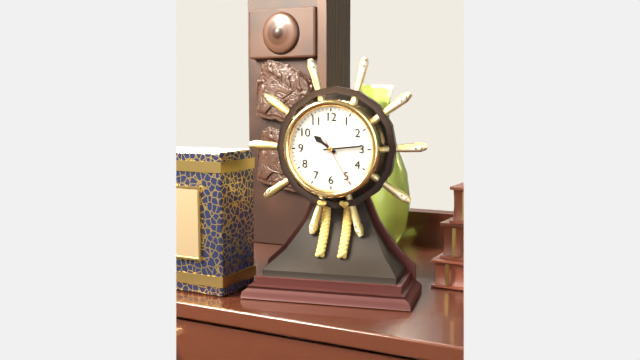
10:14
